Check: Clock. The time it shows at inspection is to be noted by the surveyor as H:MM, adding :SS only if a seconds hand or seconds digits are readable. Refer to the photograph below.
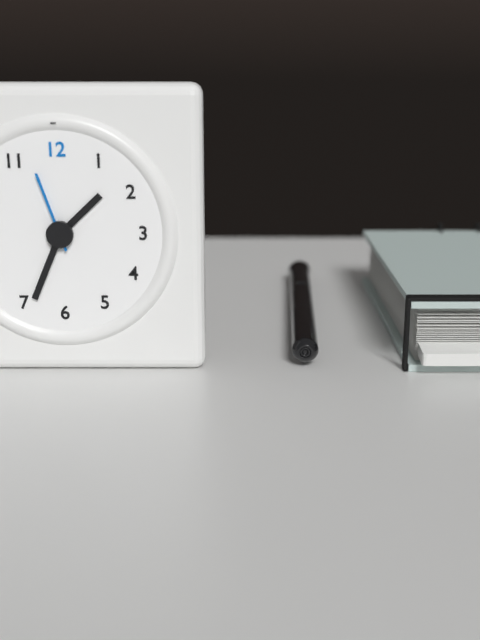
1:34:57
